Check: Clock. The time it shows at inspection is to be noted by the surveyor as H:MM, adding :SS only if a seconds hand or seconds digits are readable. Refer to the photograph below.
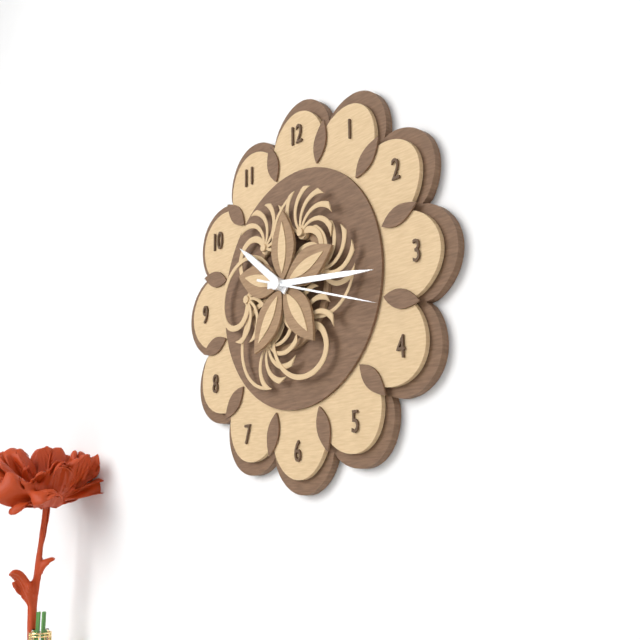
10:16:18
